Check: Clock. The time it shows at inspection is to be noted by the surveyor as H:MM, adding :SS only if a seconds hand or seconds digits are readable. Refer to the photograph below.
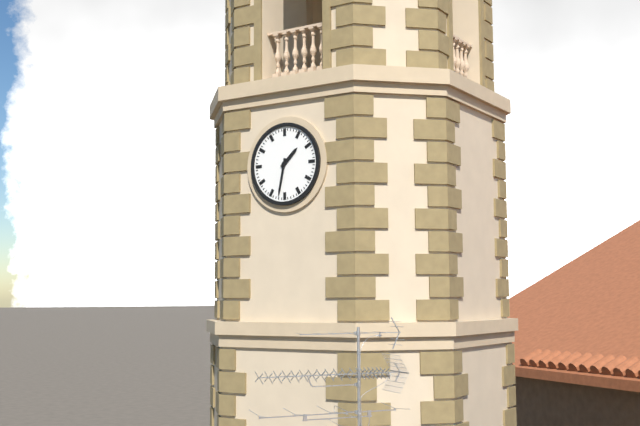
1:32
